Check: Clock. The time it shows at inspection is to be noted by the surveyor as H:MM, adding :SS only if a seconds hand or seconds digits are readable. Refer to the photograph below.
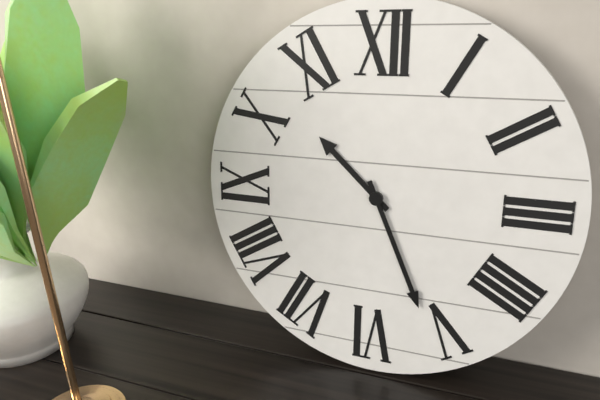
10:26
